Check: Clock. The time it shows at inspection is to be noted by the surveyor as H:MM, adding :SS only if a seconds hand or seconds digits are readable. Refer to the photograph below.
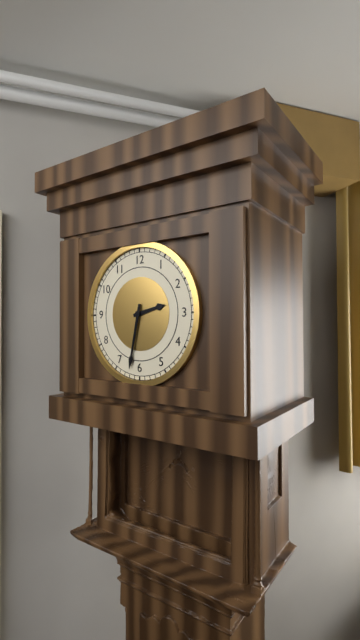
2:32
